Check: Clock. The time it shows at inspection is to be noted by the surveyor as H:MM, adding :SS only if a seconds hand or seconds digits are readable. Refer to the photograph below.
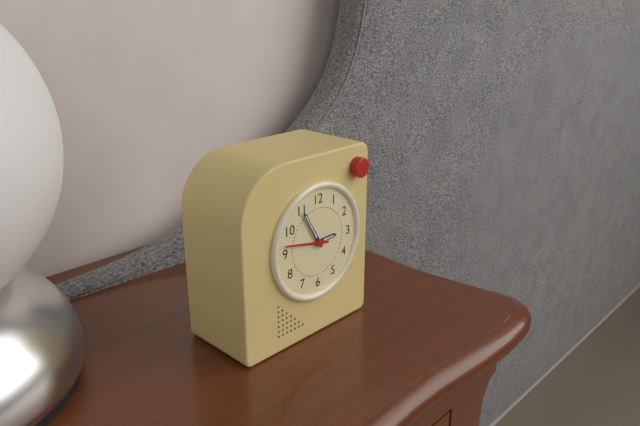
2:55
